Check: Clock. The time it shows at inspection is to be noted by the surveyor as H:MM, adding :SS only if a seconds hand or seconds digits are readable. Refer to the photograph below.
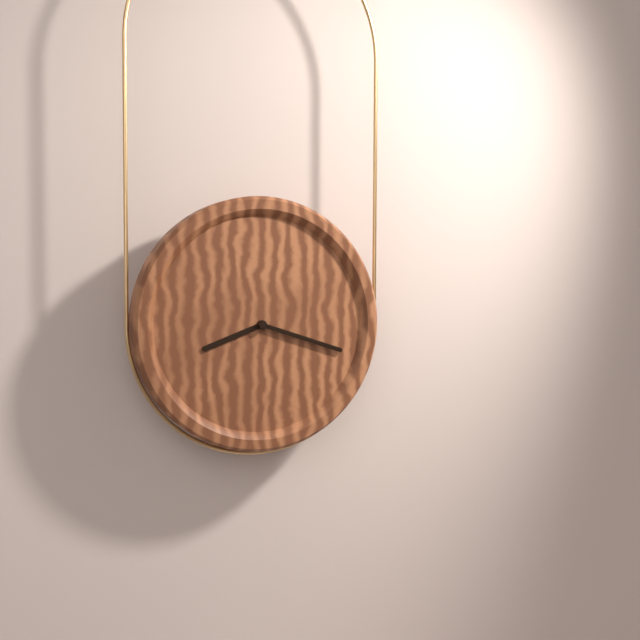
8:18
